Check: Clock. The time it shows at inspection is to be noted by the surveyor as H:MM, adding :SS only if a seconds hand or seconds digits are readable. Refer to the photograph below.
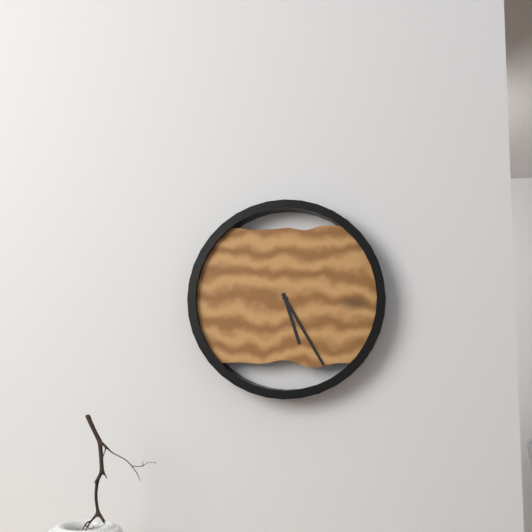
5:25
